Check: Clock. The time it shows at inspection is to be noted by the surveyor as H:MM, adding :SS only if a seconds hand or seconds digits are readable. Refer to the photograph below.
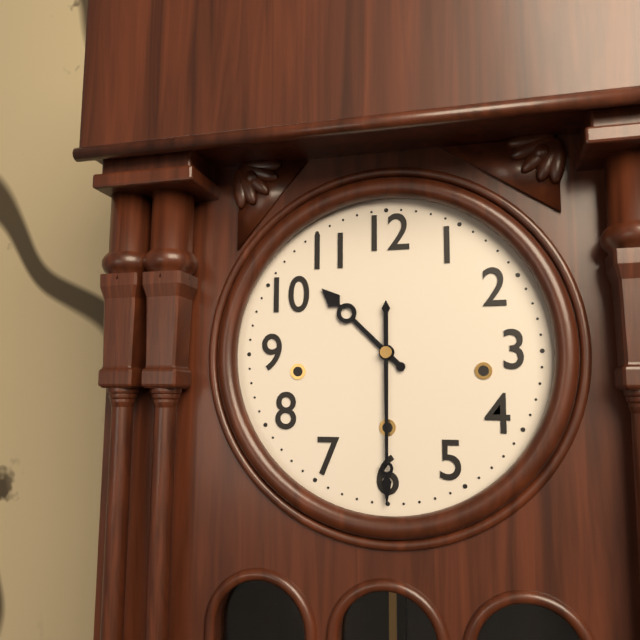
10:30
